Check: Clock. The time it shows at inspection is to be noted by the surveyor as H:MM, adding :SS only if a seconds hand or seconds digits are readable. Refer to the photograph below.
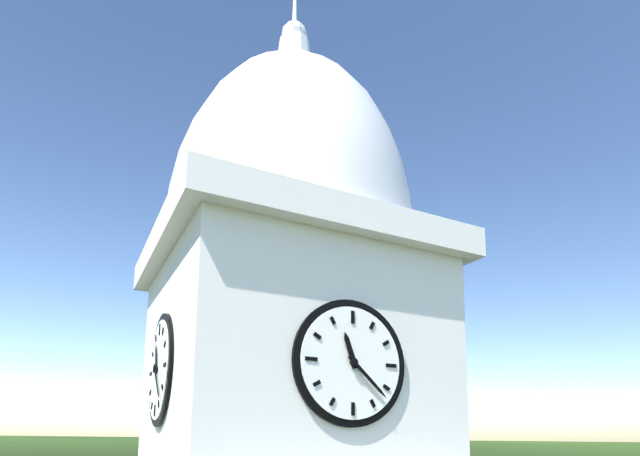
11:22
